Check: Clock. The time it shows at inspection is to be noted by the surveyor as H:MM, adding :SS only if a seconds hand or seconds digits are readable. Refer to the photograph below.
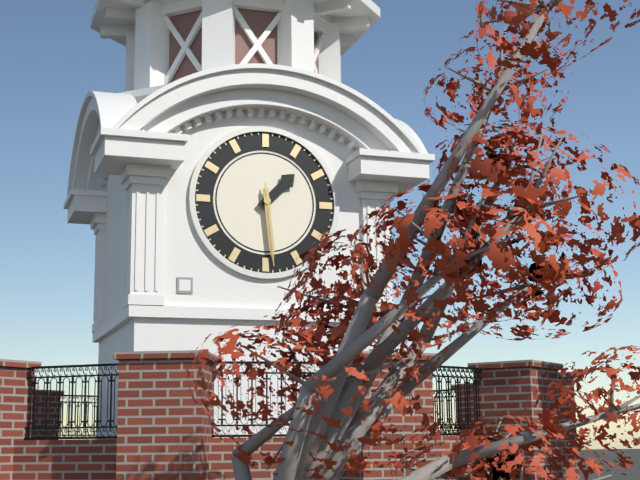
1:29:29
